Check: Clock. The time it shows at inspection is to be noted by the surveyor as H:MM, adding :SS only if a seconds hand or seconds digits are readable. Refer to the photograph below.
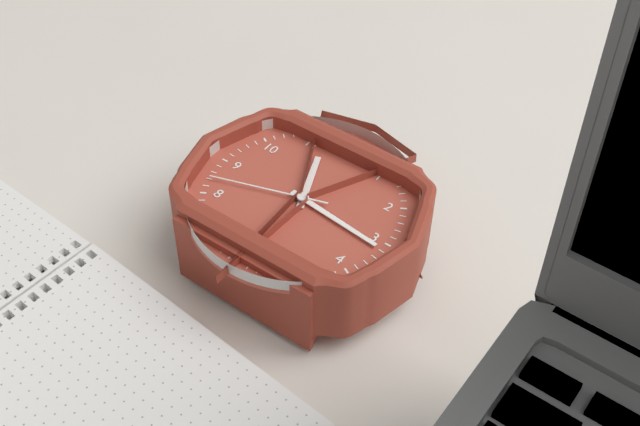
11:16:42
